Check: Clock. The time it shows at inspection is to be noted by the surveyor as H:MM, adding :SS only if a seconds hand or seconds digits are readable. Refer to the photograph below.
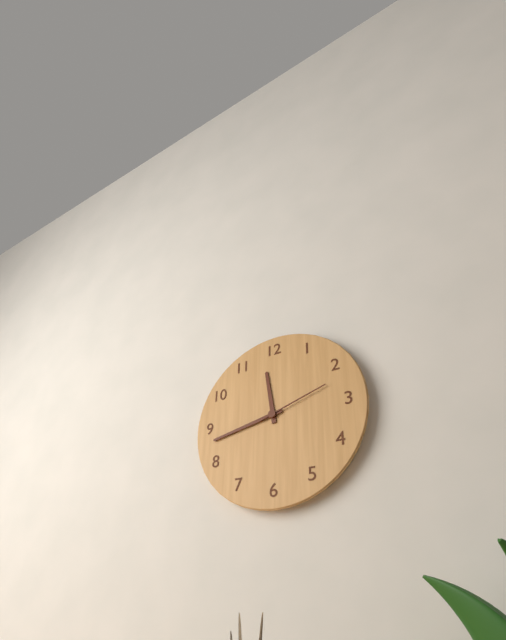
11:43:12
